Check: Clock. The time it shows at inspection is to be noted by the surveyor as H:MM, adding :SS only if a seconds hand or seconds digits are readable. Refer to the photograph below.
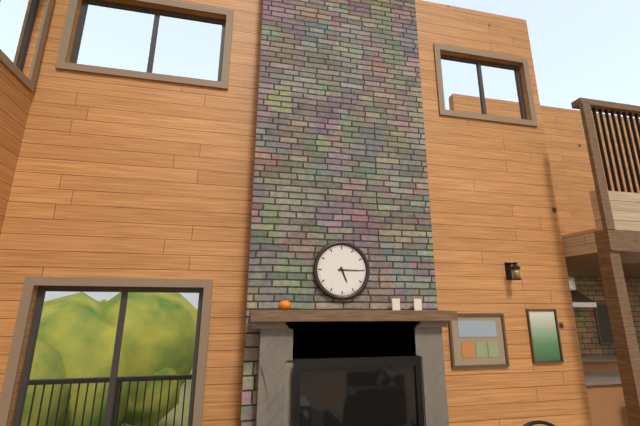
5:15
